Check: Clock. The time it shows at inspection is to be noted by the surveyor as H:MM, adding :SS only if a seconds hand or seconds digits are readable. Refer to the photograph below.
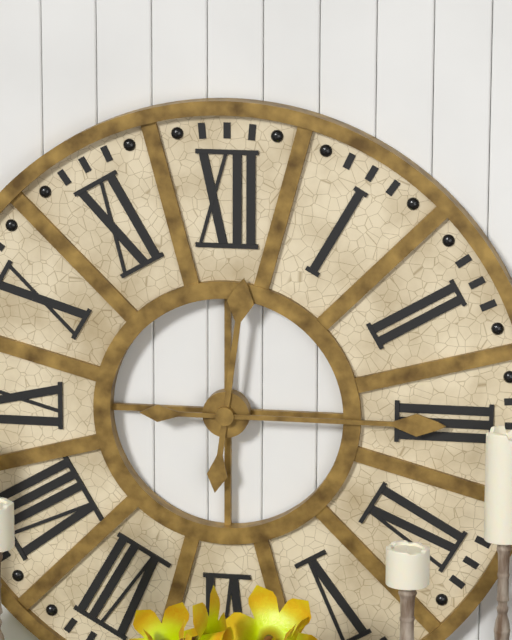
12:15
